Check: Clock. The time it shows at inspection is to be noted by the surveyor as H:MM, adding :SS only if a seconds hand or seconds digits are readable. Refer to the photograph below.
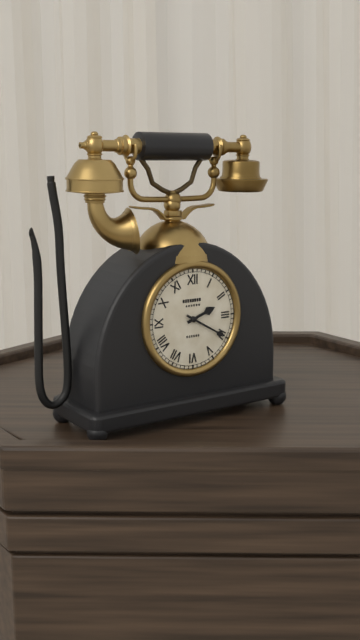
2:20
